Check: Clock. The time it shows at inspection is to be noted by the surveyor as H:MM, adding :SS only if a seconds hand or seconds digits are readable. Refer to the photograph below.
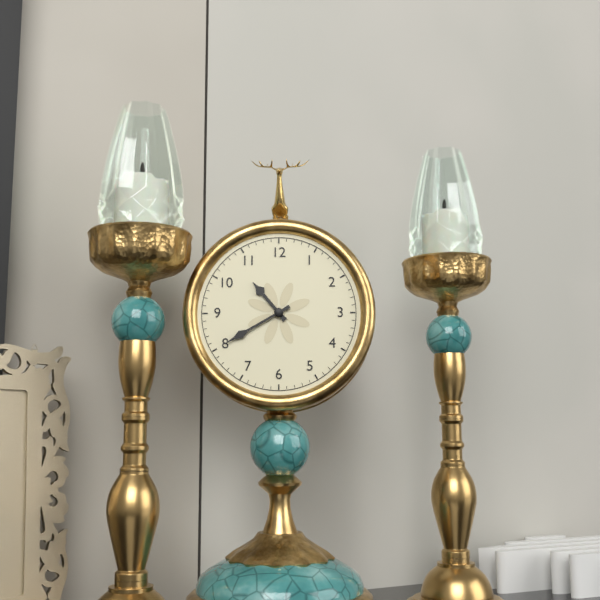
10:40
